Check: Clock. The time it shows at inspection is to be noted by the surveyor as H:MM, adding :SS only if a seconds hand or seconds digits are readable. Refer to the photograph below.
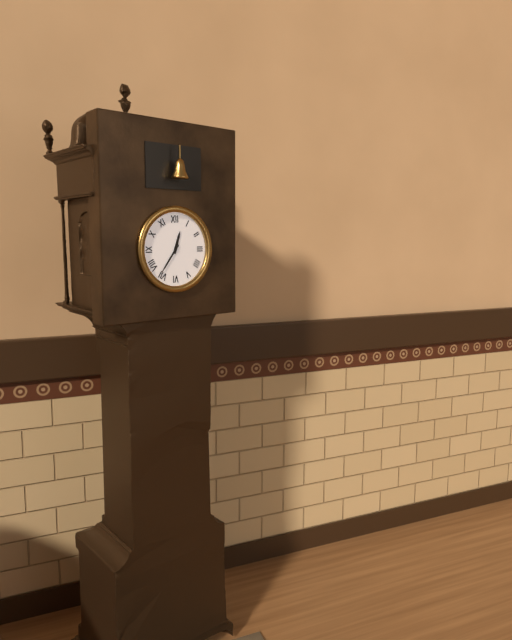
12:36
